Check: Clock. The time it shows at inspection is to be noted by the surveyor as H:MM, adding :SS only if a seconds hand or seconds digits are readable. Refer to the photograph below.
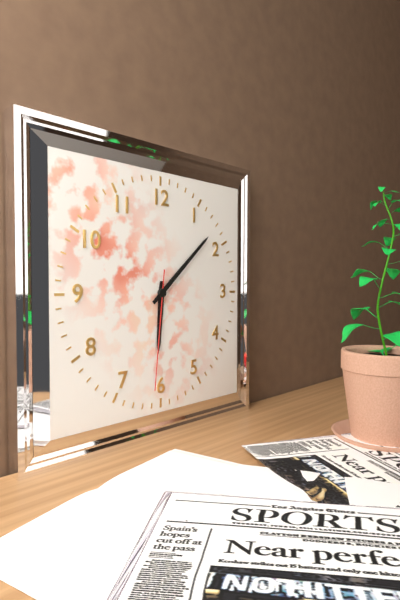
6:08:31
